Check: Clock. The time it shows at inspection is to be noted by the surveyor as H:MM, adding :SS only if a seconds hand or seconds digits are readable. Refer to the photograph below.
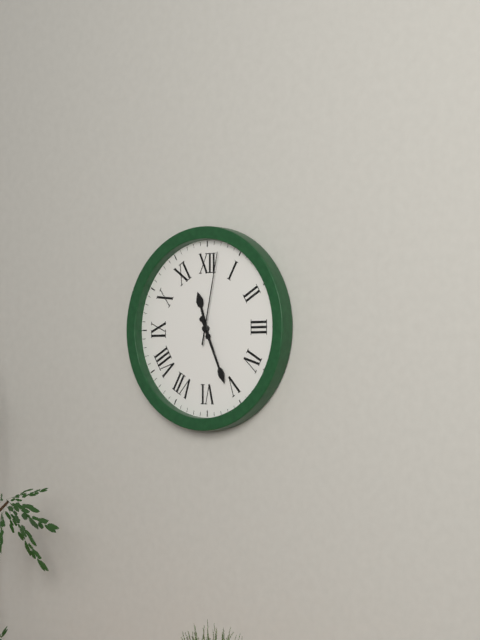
11:26:02
